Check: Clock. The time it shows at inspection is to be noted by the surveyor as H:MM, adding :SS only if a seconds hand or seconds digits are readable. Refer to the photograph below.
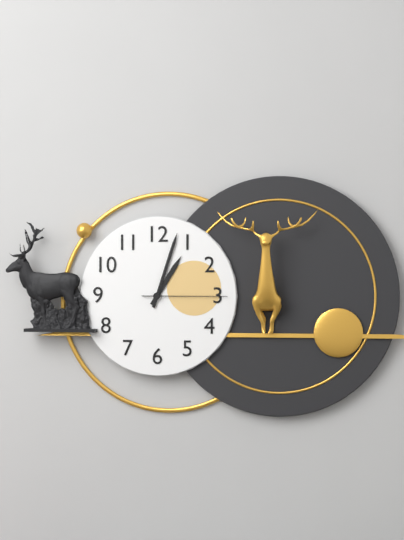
1:03:15
